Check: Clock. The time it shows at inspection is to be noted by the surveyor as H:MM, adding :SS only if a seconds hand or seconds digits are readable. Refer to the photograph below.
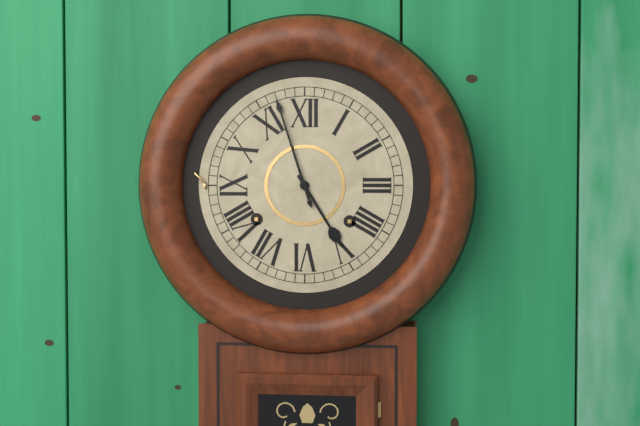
4:57
